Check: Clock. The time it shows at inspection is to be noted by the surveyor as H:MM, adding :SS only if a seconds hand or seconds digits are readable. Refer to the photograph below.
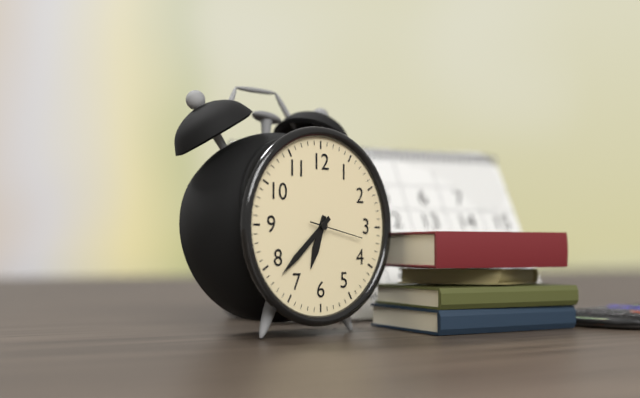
6:38:17
